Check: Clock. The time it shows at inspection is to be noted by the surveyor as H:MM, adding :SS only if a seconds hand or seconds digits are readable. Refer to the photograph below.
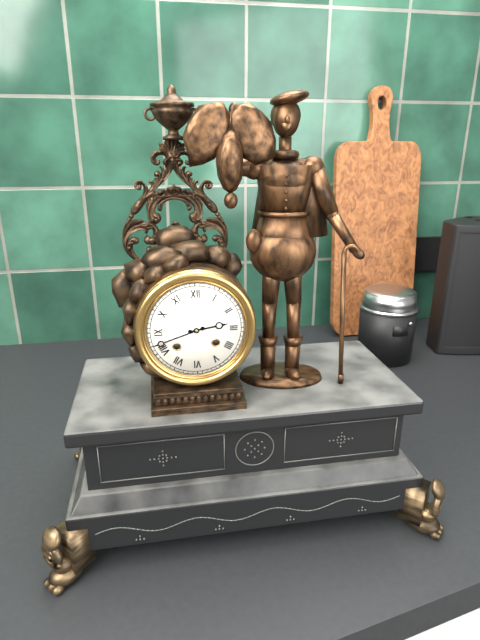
2:42
